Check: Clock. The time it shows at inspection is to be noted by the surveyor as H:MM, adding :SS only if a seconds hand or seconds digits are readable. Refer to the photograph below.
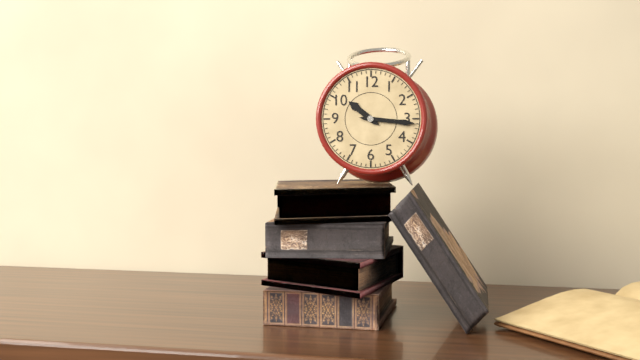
10:16
